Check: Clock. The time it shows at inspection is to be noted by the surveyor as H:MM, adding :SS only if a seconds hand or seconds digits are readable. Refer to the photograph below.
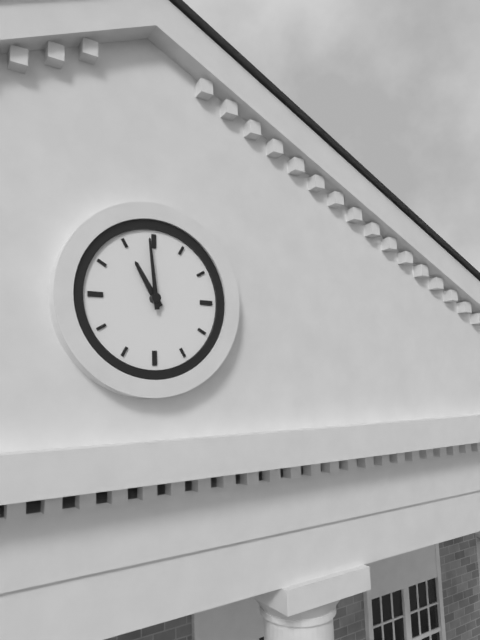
10:59
